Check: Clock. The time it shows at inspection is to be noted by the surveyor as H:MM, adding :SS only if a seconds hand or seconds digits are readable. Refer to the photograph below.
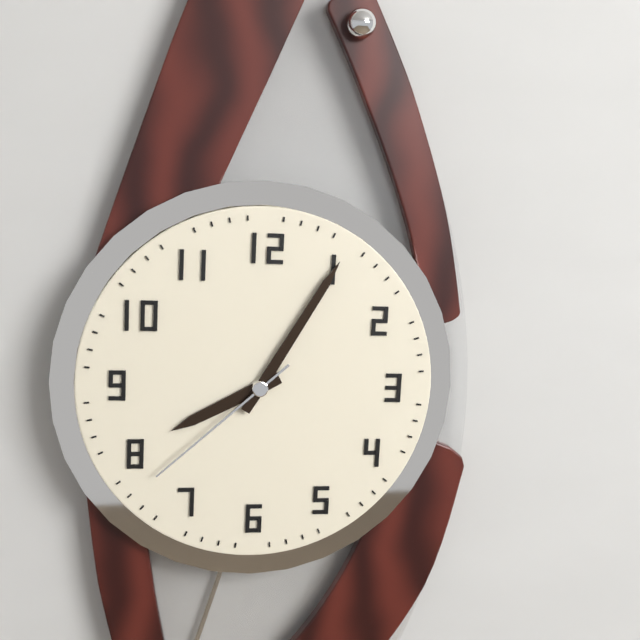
8:05:38
